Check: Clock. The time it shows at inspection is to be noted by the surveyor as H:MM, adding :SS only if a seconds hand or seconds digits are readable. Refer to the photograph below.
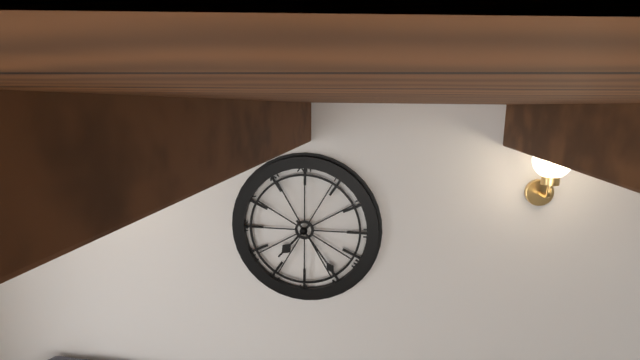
7:24
